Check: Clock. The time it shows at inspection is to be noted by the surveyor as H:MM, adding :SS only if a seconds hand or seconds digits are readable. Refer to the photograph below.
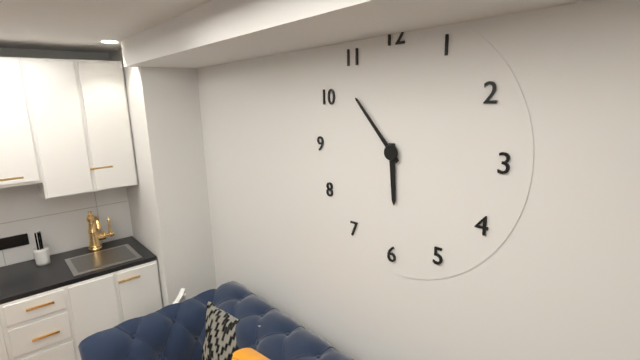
5:53
